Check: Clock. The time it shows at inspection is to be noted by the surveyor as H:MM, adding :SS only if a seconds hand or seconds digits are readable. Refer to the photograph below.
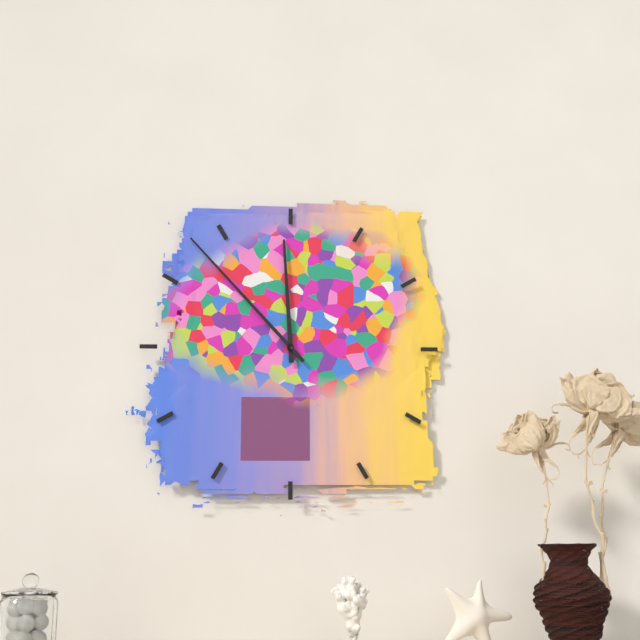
11:53
